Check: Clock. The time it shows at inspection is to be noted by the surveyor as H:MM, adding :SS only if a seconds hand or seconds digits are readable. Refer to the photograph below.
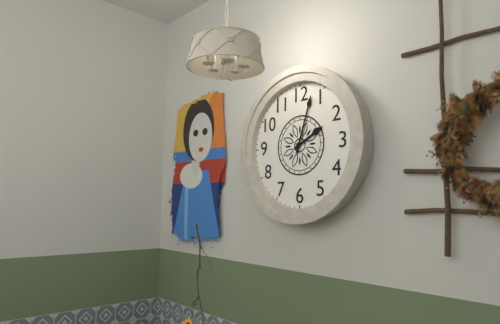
2:03
